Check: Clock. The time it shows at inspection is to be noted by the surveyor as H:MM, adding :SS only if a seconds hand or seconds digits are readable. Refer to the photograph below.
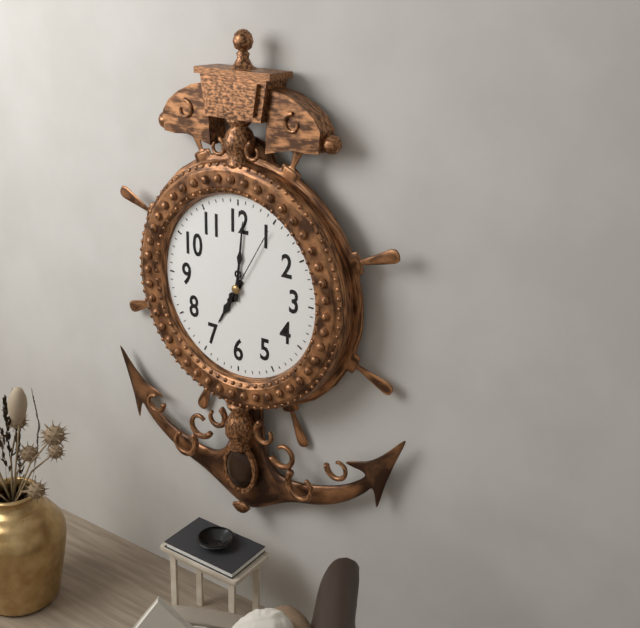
7:01:05
